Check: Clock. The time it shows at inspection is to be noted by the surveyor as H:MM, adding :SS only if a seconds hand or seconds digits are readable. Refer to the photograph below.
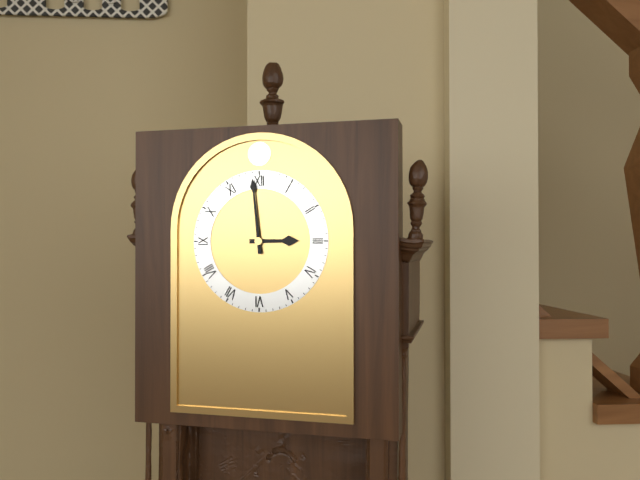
2:59
